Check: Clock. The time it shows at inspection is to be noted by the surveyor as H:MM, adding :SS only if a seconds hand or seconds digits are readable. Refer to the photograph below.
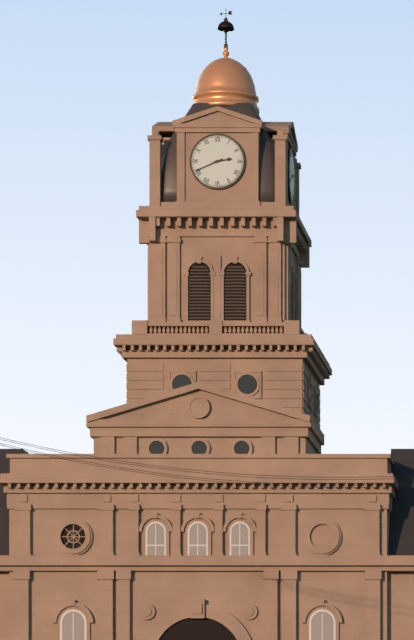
2:41
